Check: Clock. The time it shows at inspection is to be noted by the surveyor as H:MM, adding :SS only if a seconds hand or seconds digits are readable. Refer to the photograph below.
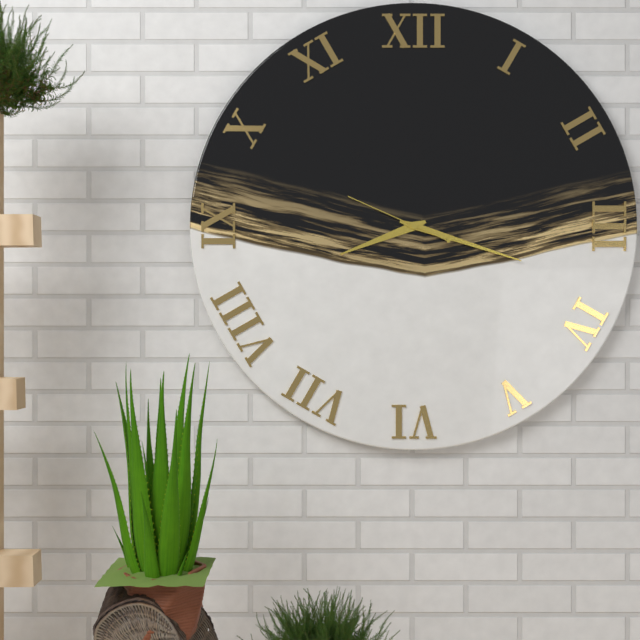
8:18:49
